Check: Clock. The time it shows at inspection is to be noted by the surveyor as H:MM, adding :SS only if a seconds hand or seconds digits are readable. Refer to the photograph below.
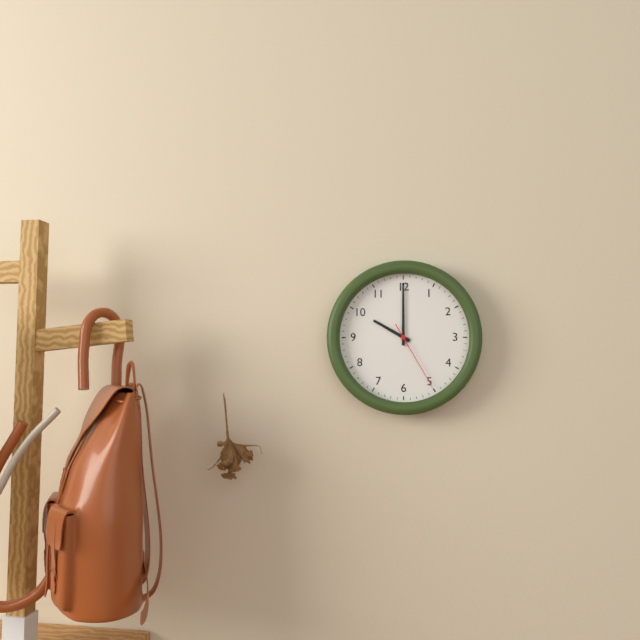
10:00:25
